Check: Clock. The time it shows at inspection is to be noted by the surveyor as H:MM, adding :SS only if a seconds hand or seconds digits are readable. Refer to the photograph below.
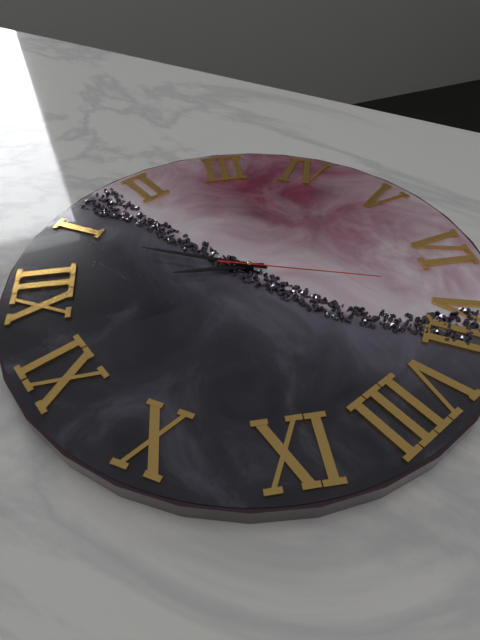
12:04:33
